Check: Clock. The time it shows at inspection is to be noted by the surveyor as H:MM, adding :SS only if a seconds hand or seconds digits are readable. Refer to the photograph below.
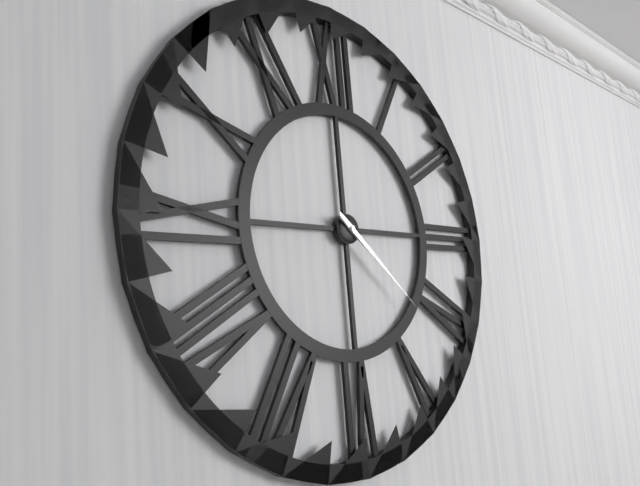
4:22
